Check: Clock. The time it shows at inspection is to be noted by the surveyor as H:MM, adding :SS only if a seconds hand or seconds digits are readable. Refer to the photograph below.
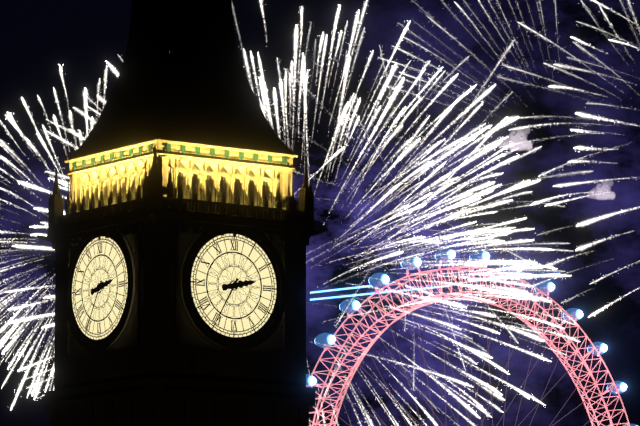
2:35
